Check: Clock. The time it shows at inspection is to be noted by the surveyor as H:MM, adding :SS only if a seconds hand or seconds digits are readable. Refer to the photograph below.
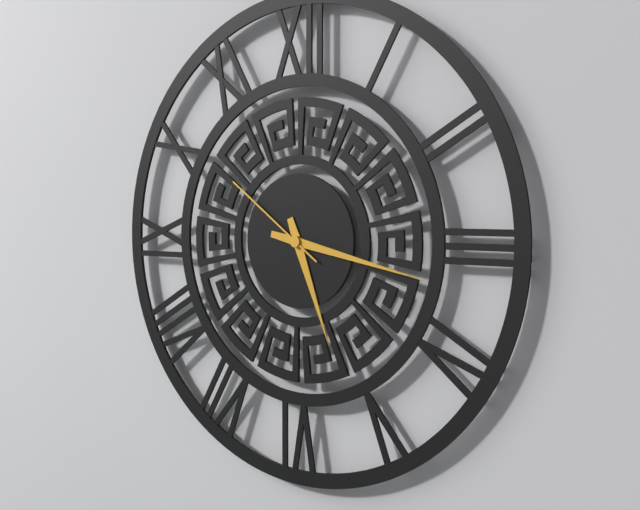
5:17:51
